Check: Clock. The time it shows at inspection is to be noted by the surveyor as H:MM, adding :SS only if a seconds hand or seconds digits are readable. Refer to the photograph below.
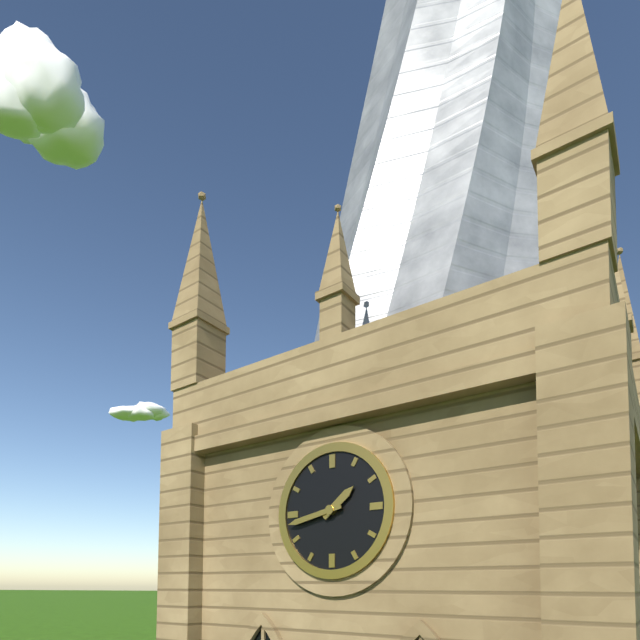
1:43
